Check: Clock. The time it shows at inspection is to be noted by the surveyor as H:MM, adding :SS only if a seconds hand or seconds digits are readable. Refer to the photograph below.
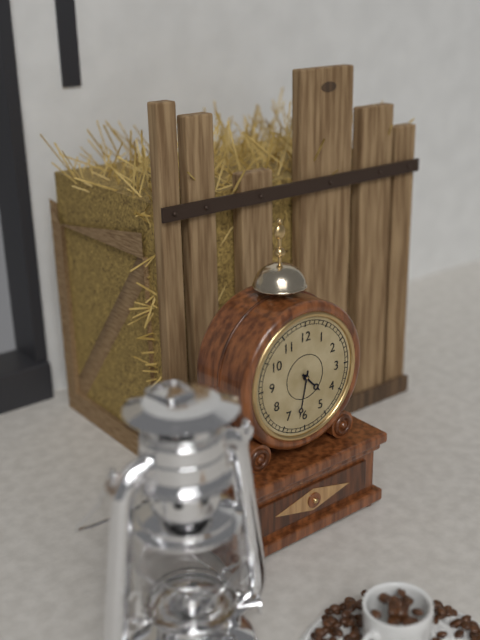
4:32
